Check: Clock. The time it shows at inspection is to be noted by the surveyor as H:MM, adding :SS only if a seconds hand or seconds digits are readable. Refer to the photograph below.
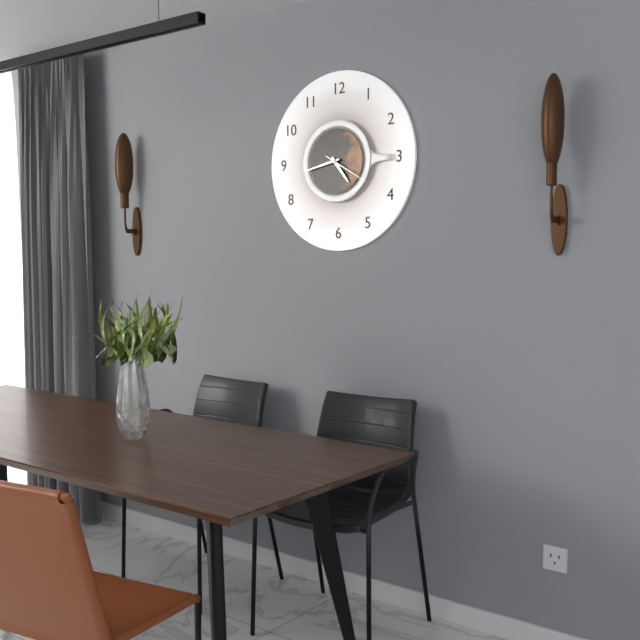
4:43
